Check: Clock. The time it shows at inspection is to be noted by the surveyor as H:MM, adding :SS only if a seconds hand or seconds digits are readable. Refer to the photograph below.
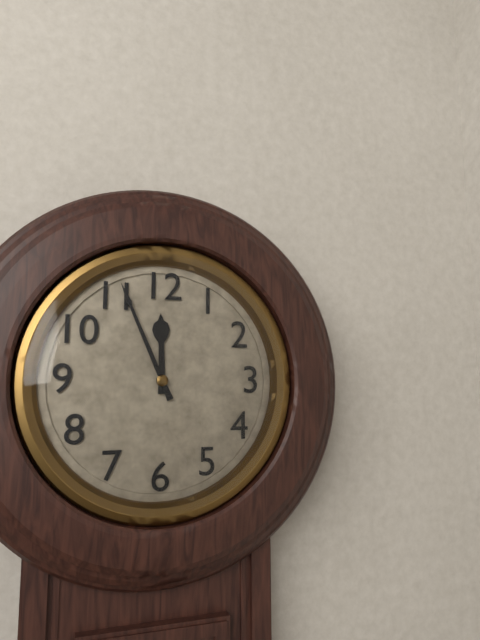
11:56
